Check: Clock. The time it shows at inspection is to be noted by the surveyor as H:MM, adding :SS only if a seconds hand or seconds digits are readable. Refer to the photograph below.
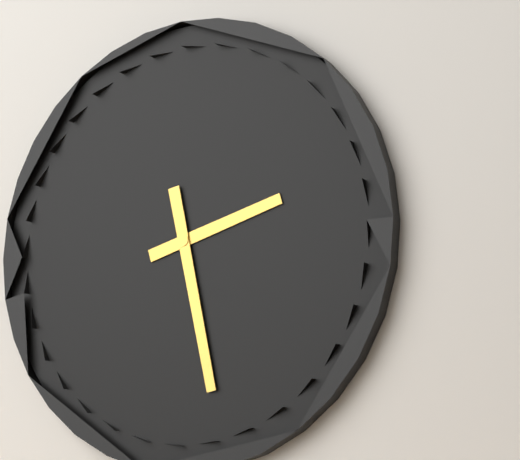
2:28
